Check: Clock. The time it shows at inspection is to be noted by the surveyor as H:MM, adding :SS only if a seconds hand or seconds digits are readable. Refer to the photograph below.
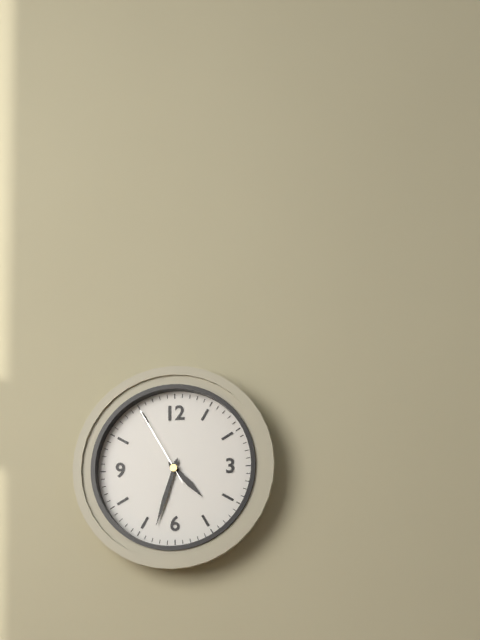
4:33:55
